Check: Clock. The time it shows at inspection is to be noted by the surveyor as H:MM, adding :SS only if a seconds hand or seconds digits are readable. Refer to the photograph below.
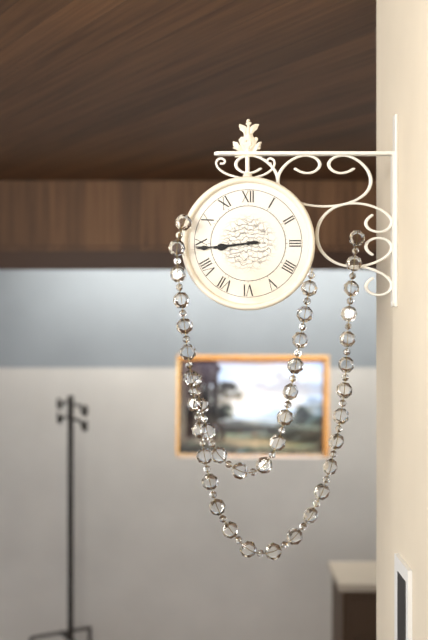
8:44
